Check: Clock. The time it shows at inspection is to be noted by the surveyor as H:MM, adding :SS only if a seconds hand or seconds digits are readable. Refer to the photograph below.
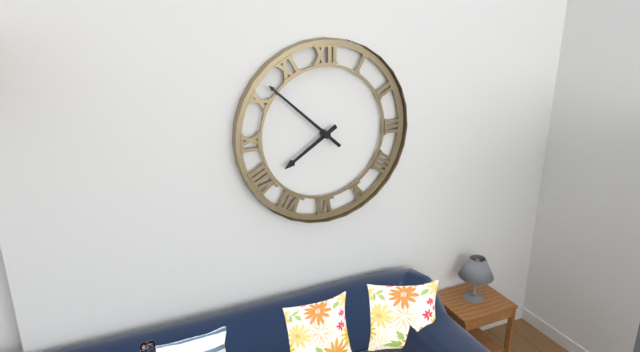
7:52
